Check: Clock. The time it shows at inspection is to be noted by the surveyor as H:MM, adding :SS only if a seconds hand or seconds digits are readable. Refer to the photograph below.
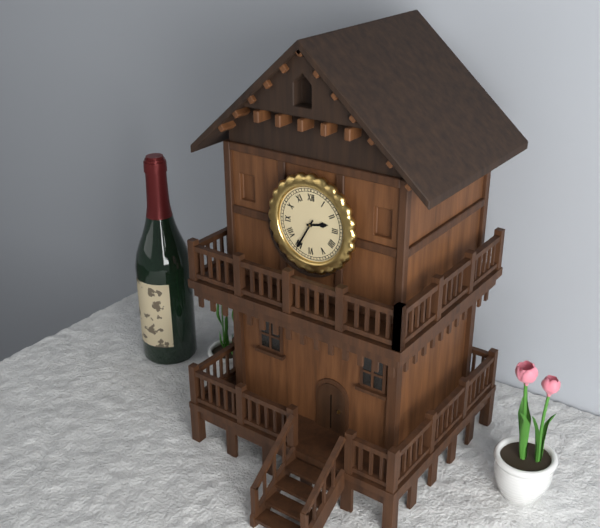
2:35
